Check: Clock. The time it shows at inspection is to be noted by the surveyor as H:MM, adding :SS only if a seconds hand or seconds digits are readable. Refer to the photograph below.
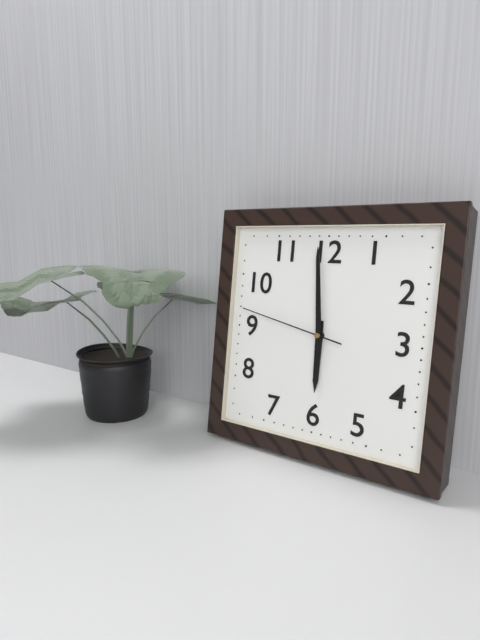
5:59:47
